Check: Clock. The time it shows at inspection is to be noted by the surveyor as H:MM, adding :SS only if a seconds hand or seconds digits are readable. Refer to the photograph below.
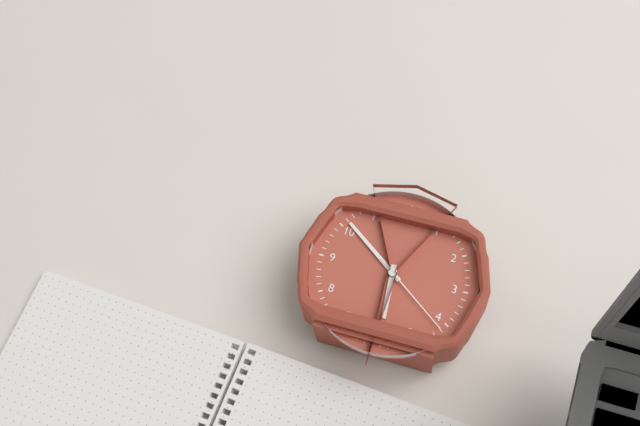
5:51:21
